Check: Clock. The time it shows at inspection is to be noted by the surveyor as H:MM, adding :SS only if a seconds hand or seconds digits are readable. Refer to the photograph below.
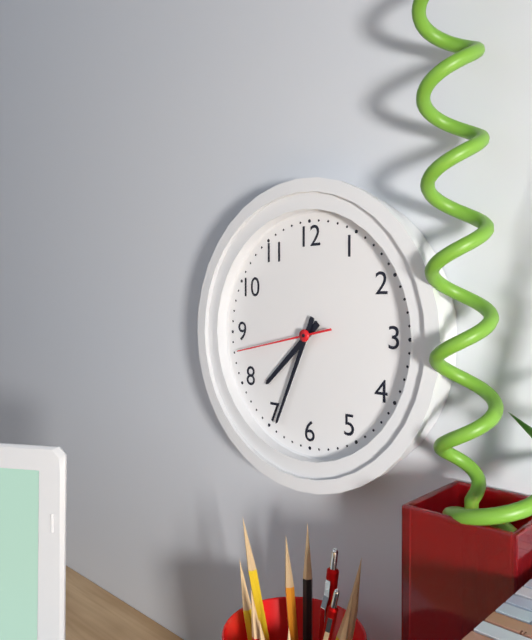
7:34:43
